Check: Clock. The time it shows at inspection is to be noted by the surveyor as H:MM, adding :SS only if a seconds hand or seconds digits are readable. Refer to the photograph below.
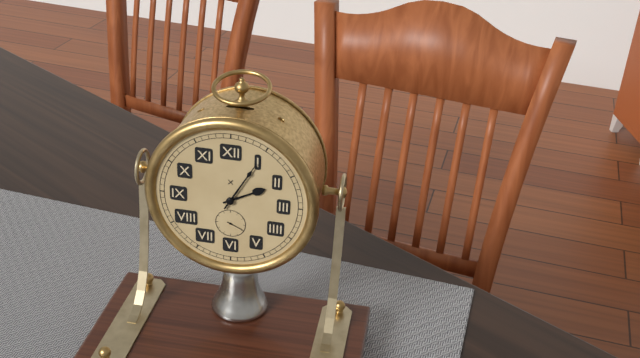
2:05
